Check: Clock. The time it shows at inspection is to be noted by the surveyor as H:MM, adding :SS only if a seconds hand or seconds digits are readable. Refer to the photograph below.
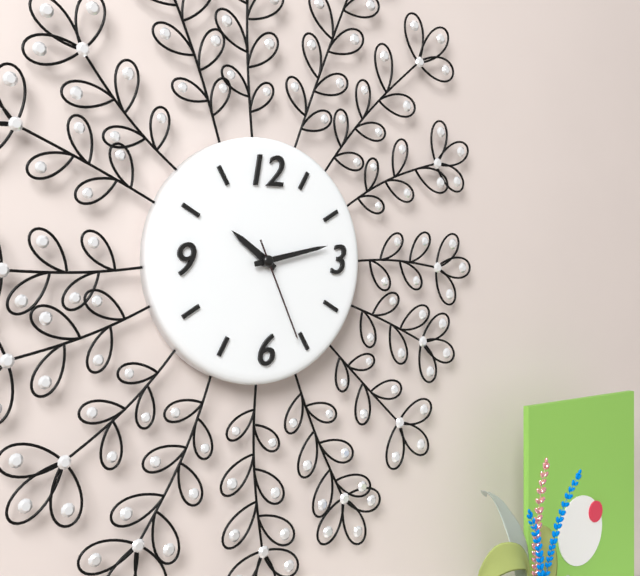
10:13:26
